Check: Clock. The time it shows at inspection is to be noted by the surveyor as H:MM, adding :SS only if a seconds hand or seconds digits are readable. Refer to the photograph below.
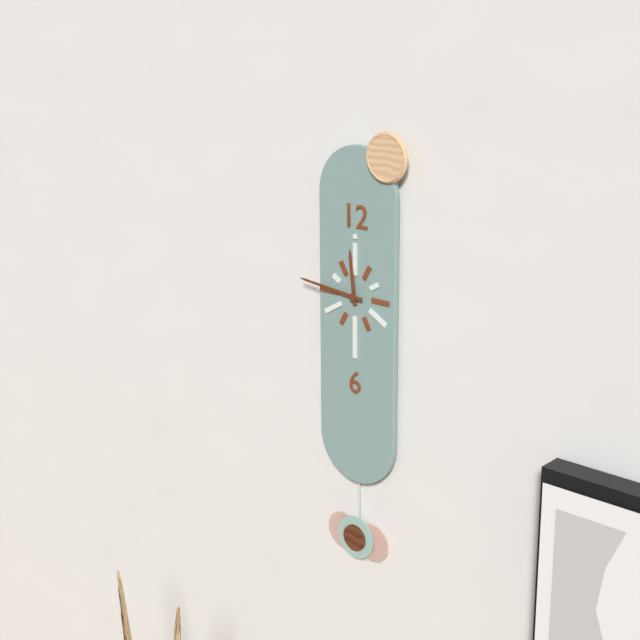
11:46
